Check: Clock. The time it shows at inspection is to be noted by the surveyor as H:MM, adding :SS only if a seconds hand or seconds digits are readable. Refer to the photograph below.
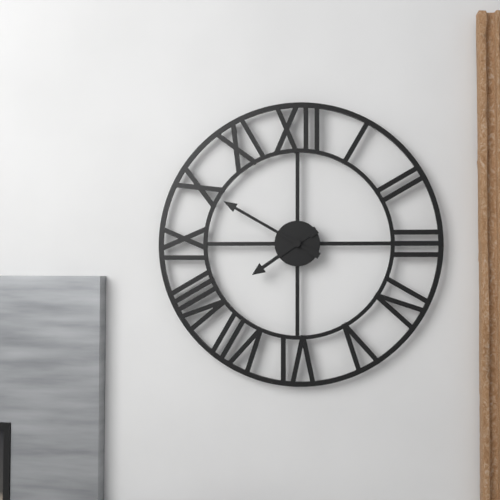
7:50
